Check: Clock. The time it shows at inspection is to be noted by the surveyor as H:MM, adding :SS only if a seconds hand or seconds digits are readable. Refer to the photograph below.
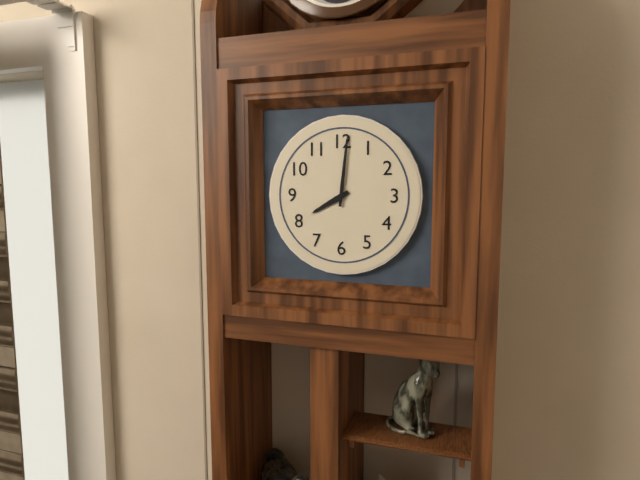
8:01
